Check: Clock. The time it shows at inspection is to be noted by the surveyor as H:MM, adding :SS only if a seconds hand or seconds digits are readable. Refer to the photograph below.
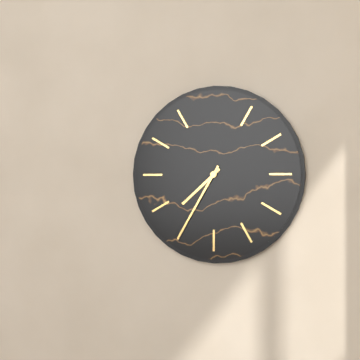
7:35
